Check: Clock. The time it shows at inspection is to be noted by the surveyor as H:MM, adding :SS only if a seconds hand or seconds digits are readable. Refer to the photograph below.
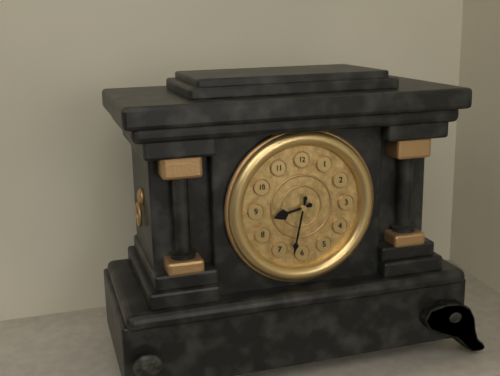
8:32
